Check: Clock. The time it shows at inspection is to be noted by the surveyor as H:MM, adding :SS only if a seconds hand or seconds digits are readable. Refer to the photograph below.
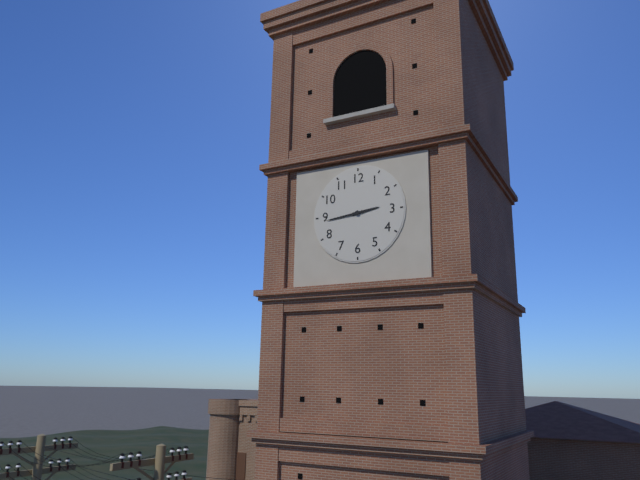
2:44
